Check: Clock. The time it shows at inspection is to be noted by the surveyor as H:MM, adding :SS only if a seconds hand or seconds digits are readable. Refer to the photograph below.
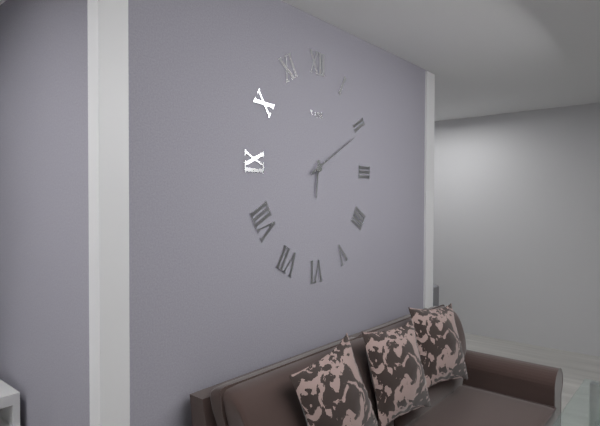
6:10
